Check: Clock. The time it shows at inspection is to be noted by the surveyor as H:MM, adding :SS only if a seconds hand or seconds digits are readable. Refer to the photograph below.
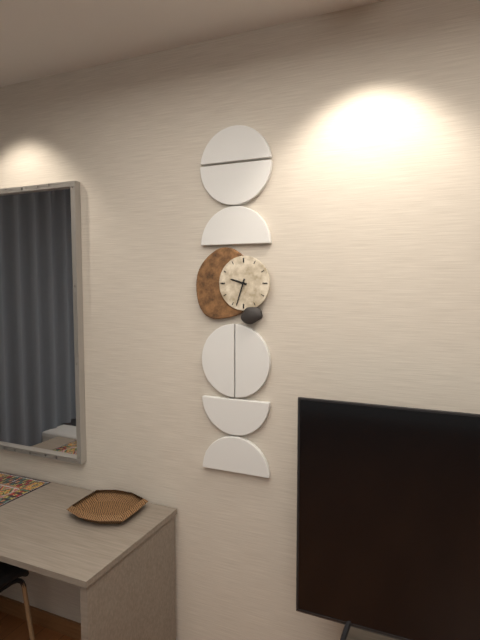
9:33
